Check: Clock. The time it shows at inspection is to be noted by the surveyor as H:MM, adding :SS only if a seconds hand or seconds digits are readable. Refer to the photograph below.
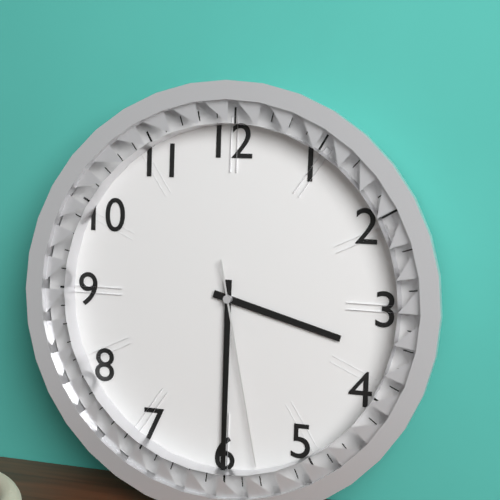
3:30:28
